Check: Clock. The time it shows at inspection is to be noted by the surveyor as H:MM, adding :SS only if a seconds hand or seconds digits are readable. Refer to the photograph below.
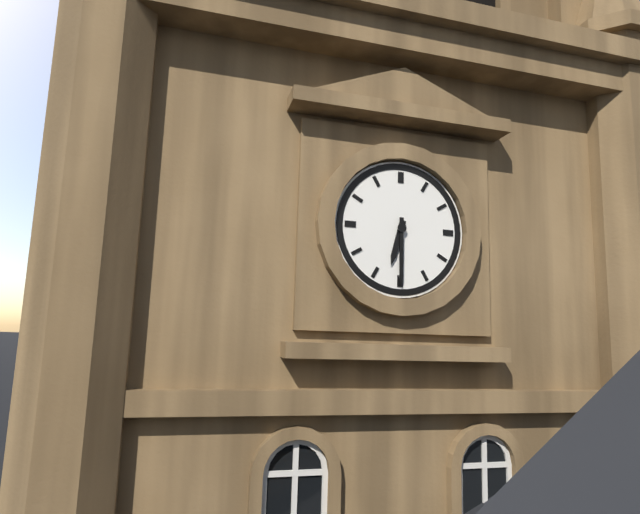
6:30
